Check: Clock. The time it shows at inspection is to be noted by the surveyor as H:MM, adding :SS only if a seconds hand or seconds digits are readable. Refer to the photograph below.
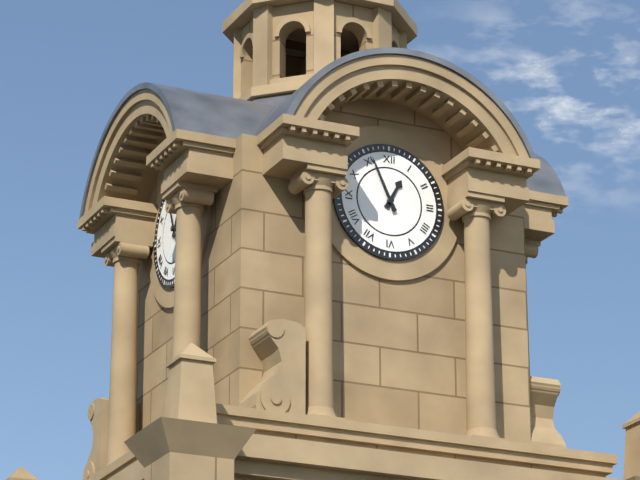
12:56
